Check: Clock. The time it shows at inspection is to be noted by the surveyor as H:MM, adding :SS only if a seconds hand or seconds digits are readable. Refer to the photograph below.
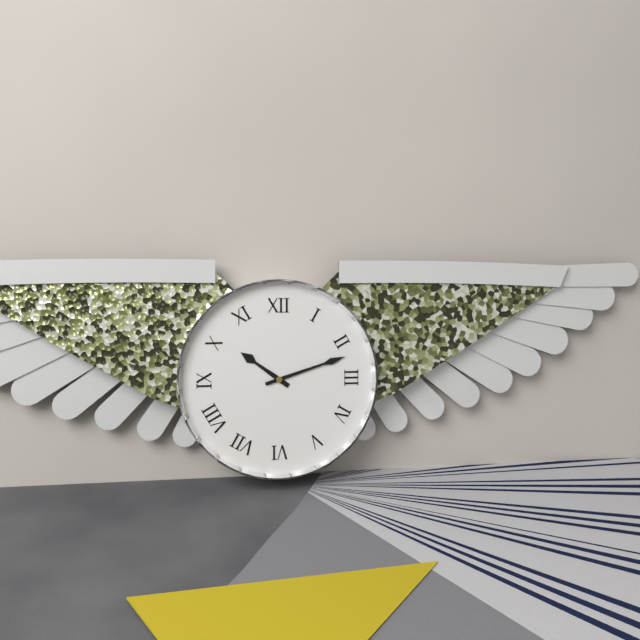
10:12
